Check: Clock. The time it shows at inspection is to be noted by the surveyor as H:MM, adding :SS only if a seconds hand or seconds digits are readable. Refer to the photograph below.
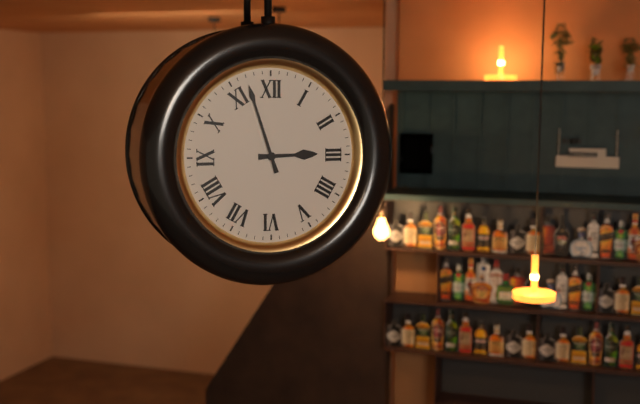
2:57
